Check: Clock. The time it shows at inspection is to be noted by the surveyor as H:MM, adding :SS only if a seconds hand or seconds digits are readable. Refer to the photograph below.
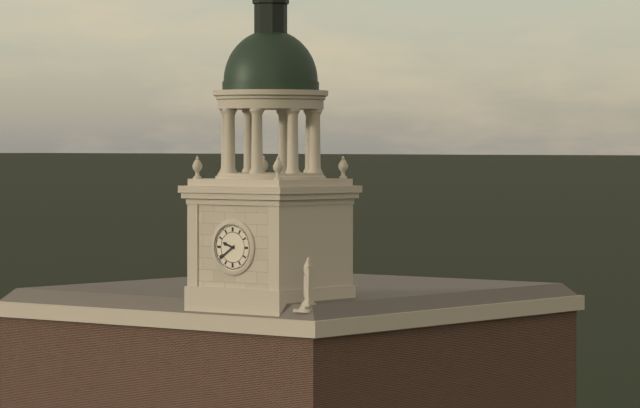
9:39
